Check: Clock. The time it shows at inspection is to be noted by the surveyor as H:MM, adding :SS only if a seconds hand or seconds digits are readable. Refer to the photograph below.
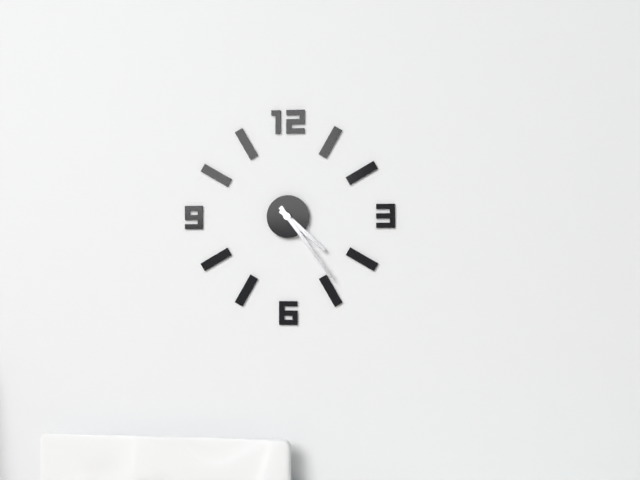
4:24
